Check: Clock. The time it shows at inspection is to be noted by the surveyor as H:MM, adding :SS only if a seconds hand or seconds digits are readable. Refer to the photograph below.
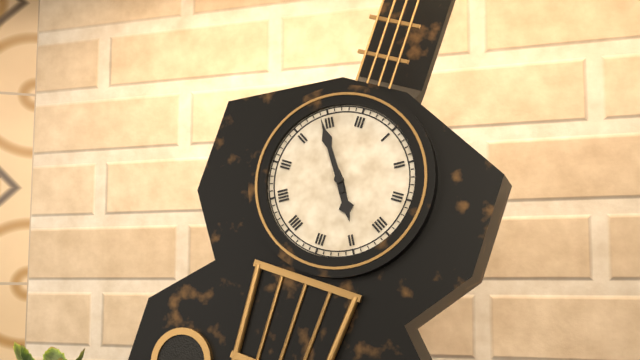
4:54
